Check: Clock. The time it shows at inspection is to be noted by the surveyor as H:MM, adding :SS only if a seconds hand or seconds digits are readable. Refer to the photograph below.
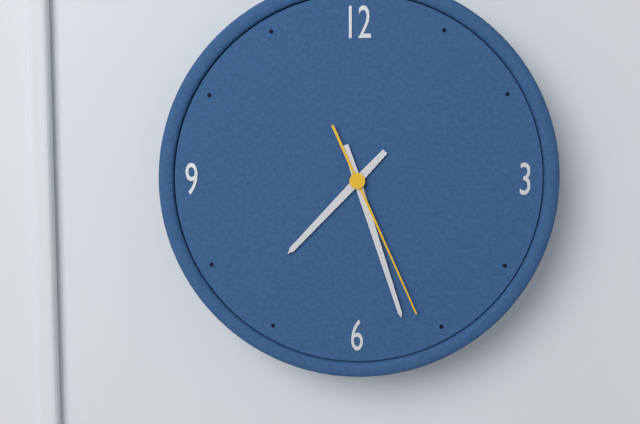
7:27:26
